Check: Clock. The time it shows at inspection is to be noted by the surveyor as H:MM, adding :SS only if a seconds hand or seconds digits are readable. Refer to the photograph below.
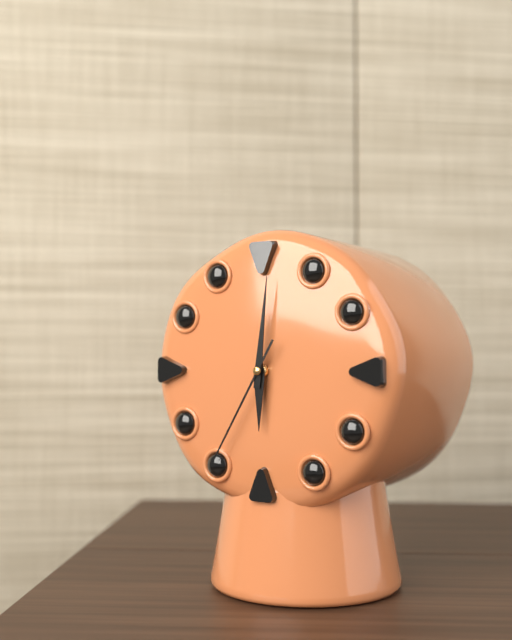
6:01:35
